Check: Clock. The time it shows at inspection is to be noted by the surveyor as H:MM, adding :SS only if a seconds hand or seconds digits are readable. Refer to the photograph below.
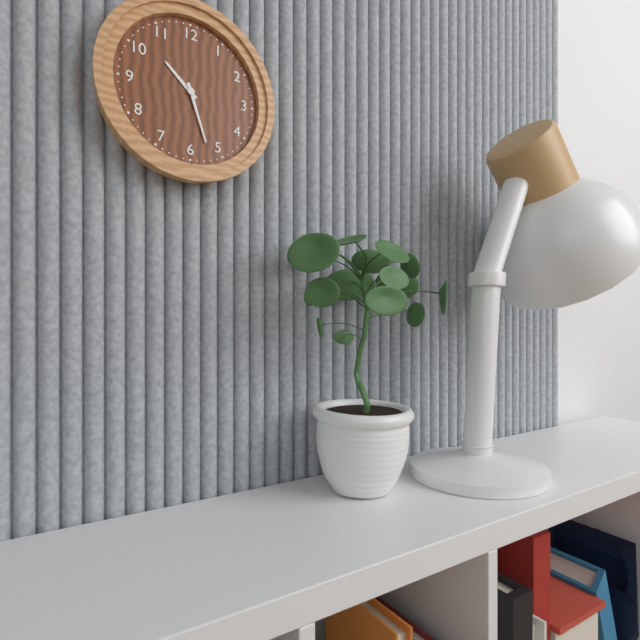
10:27
